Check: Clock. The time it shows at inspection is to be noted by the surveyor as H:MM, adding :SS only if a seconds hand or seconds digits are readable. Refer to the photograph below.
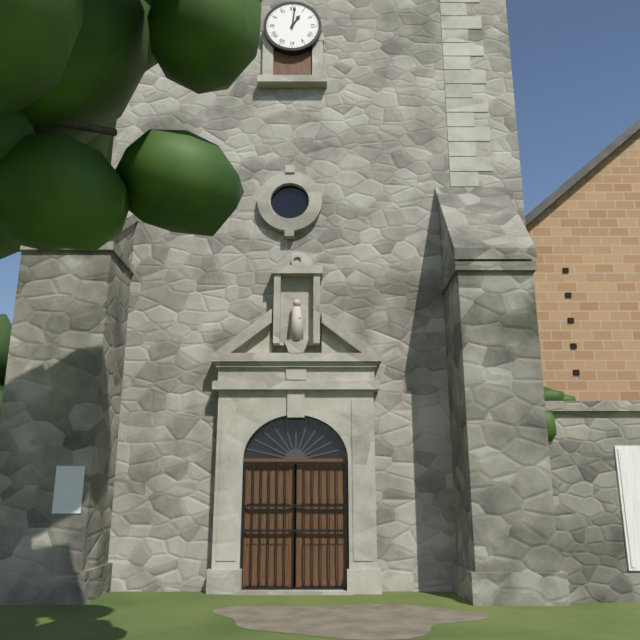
1:01
